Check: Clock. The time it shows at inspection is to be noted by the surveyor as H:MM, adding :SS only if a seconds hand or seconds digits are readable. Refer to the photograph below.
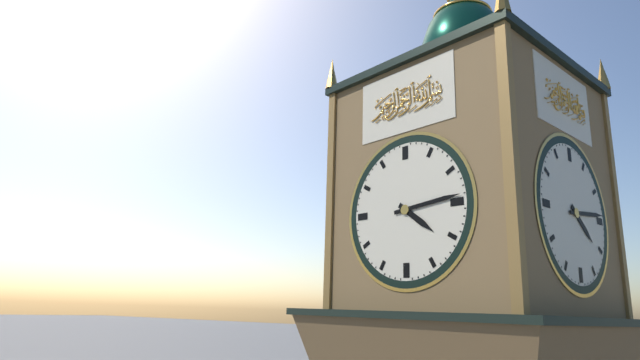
4:14
